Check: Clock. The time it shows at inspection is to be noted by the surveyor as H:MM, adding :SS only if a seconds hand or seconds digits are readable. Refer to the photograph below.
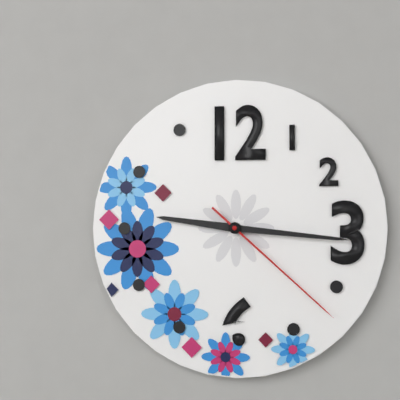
9:16:22
